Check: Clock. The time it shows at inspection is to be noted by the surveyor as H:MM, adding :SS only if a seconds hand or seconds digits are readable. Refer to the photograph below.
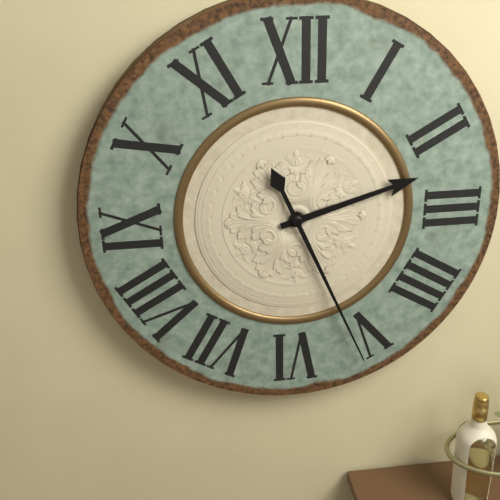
2:26
